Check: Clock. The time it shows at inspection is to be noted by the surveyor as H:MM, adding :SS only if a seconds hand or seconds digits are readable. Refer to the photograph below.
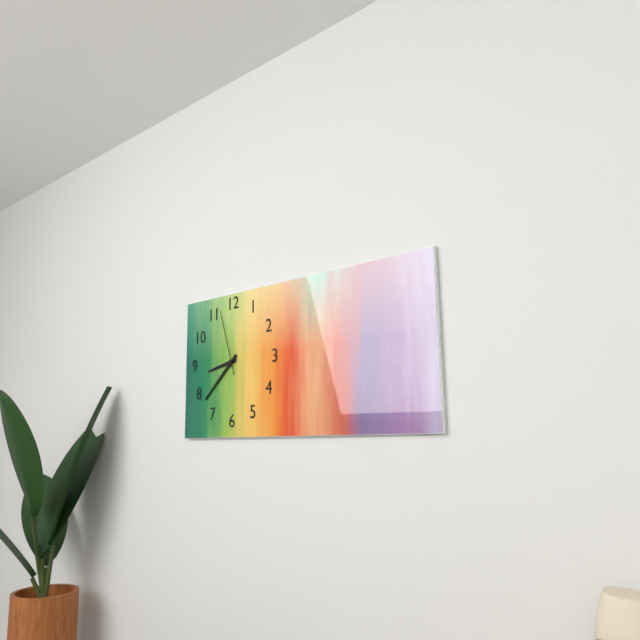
8:38:57
